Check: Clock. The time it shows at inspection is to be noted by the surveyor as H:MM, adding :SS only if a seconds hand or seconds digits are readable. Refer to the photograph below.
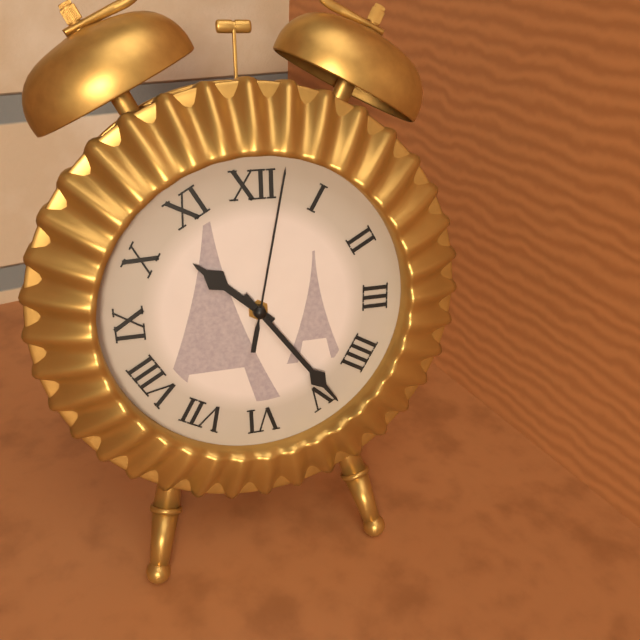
10:24:02
